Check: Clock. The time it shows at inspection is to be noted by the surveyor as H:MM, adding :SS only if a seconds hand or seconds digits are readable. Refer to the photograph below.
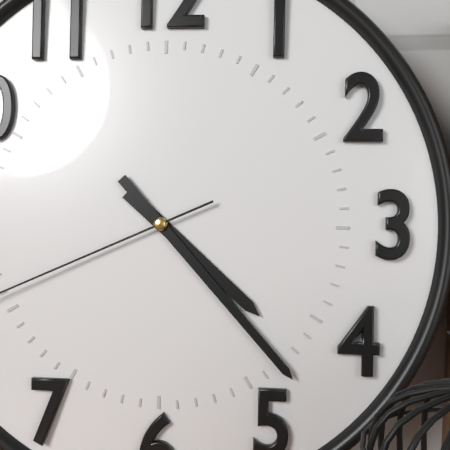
4:23
